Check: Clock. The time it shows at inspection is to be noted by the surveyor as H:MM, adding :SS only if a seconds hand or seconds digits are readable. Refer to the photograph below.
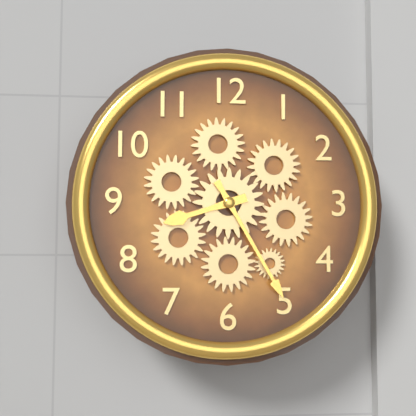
8:25
